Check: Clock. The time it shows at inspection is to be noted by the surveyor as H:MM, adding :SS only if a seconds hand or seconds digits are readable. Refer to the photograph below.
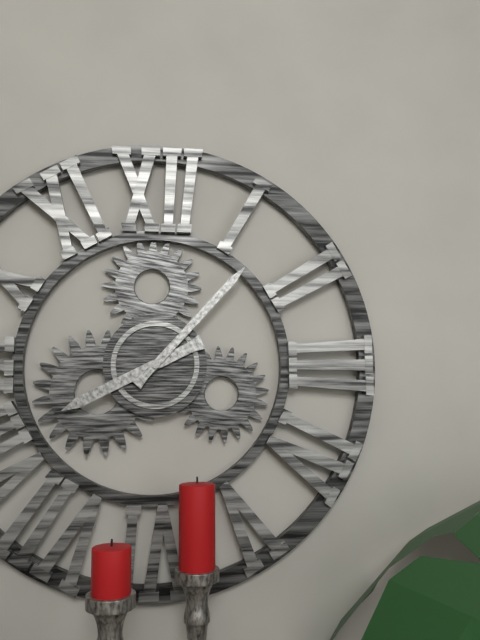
8:07
